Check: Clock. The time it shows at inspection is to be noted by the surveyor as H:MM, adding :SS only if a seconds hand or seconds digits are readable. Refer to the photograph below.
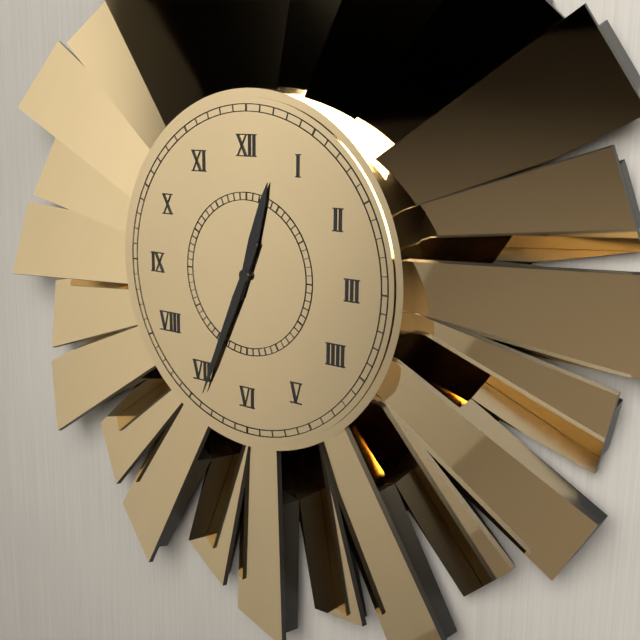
12:34
